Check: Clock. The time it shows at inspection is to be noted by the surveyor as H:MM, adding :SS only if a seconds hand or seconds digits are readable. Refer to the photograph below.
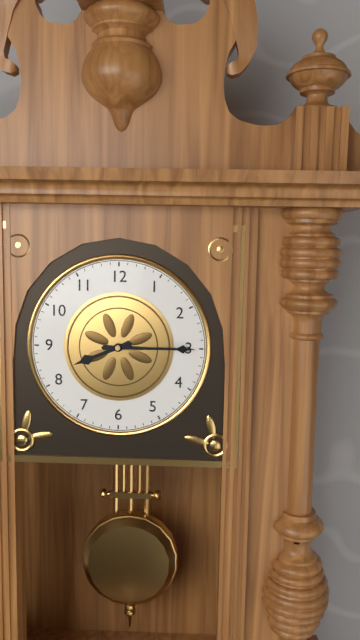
8:15
